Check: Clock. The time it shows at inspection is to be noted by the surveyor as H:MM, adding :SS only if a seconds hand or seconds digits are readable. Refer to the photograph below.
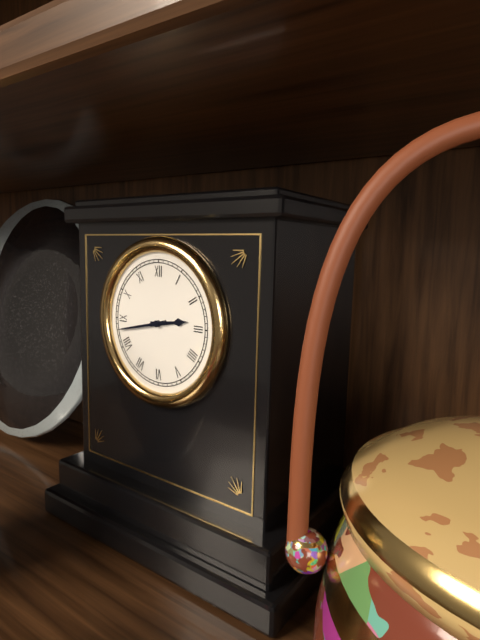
2:43
